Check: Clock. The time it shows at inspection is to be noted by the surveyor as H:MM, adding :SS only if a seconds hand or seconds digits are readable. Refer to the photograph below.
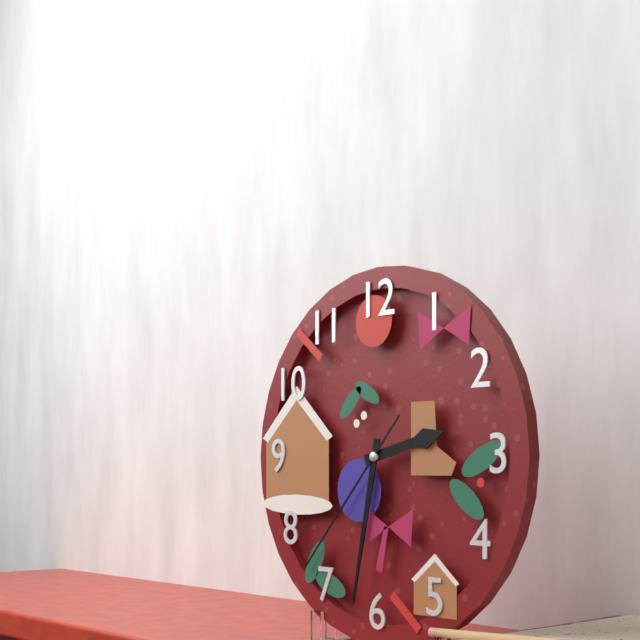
2:32:37
